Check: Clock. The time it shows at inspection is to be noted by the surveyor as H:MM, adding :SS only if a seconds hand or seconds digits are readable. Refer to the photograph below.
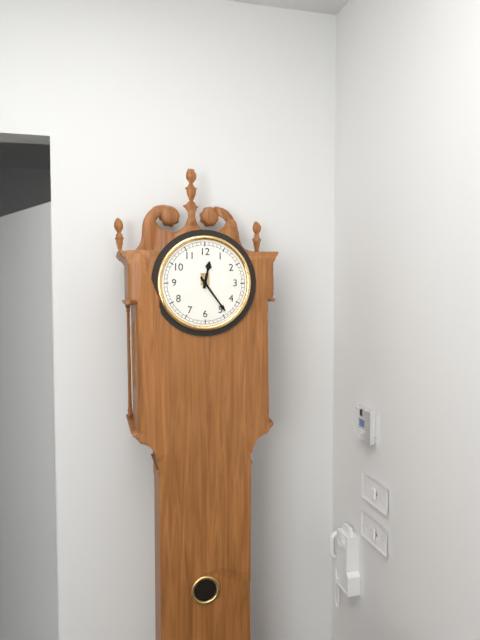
12:24
